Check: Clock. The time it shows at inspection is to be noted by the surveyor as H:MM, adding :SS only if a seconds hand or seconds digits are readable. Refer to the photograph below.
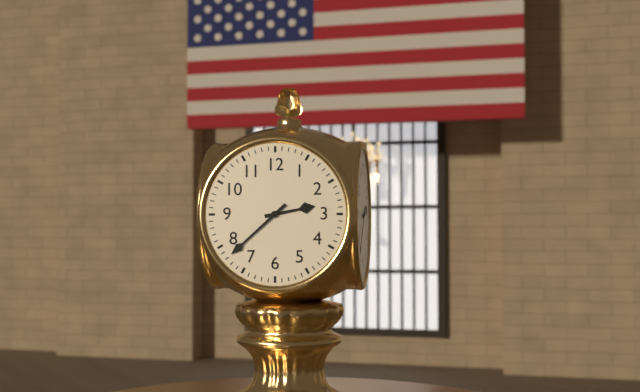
2:38
